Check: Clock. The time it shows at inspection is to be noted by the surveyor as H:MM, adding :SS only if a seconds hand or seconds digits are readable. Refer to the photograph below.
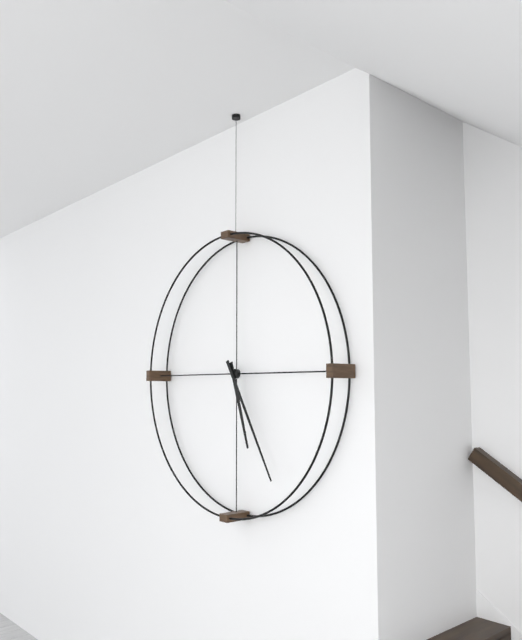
5:25
